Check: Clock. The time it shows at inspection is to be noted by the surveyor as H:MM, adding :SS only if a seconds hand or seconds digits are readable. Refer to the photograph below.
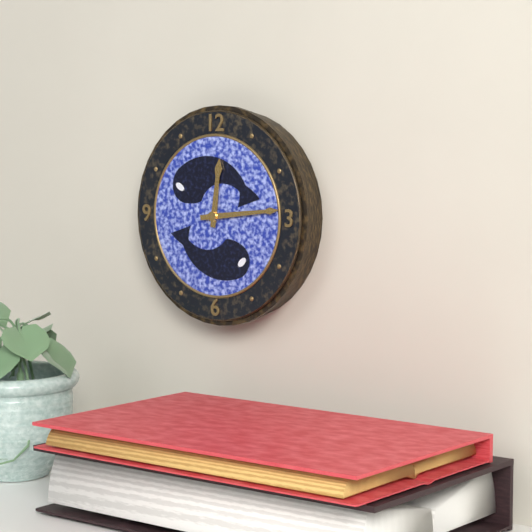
12:14
